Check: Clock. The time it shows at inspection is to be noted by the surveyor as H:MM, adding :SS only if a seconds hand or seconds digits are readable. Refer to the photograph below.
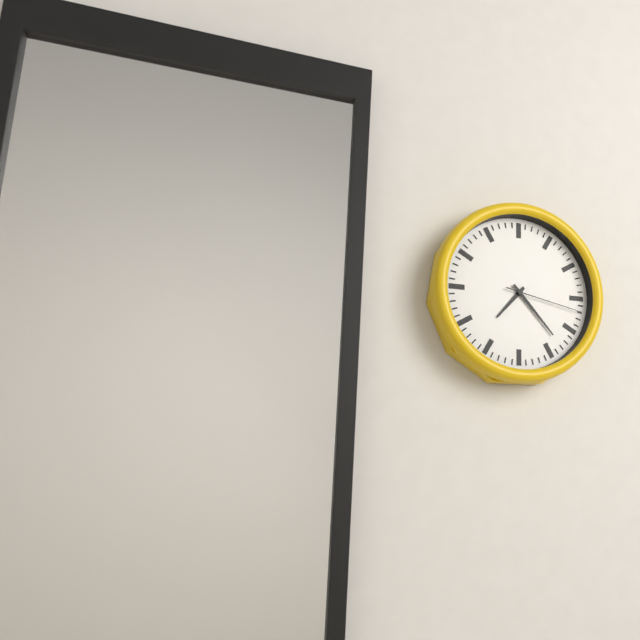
7:23:17
